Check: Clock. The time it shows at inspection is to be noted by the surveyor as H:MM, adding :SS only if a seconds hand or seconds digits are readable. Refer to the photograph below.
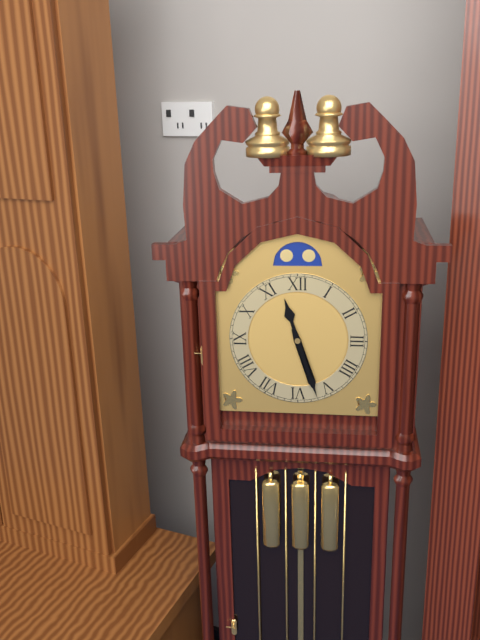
11:27
